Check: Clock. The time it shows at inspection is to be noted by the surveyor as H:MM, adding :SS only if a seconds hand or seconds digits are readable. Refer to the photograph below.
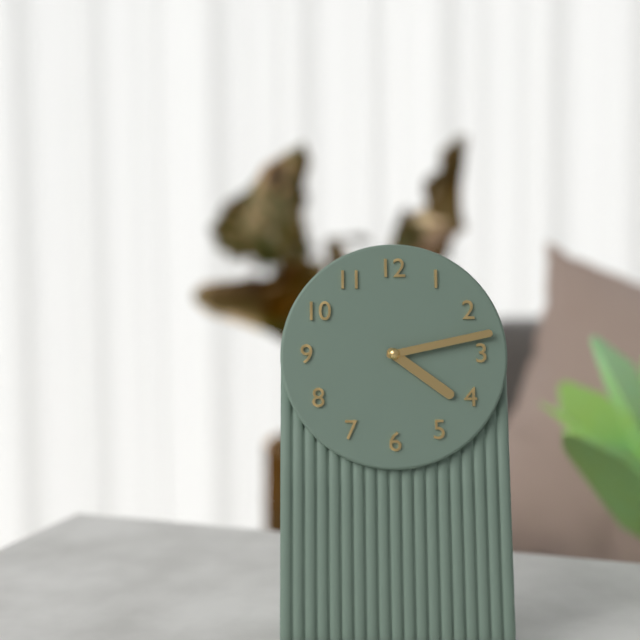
4:13
